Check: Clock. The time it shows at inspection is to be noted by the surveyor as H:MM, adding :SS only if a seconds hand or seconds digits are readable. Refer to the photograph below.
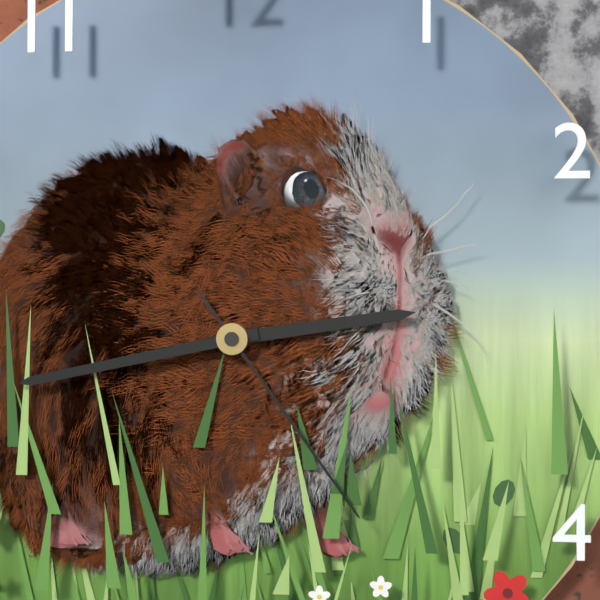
2:43:24
